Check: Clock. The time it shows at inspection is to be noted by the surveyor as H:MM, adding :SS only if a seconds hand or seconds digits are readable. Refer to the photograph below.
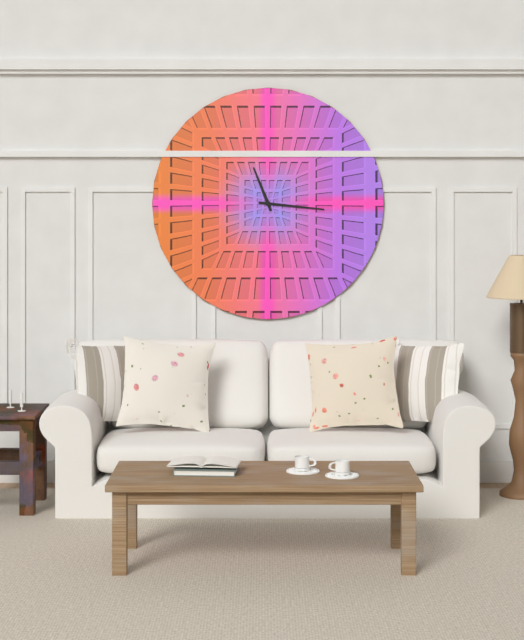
11:16
